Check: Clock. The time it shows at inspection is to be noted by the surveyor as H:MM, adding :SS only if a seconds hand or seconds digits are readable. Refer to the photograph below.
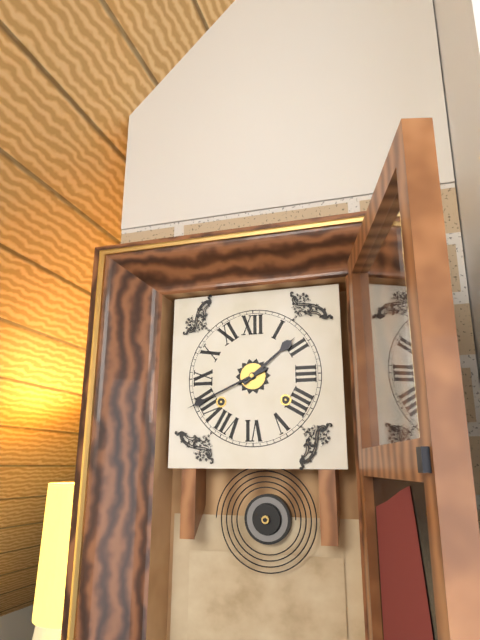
1:41
